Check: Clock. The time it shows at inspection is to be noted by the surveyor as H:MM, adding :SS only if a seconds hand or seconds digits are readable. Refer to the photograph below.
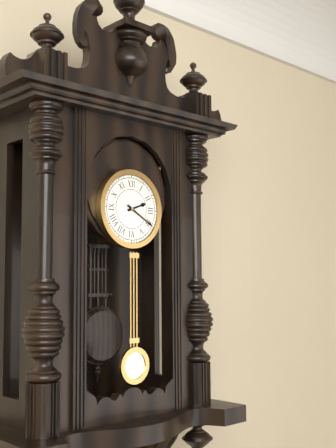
2:20
